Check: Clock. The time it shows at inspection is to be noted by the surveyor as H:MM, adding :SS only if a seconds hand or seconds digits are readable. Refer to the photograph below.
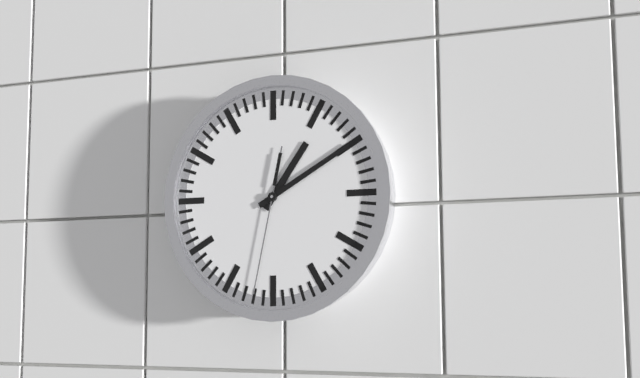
1:10:32
